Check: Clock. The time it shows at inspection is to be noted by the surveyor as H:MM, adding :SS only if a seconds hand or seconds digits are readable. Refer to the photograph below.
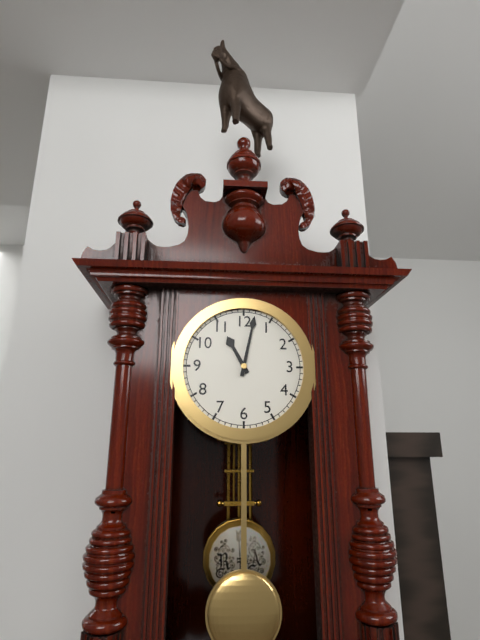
11:02
